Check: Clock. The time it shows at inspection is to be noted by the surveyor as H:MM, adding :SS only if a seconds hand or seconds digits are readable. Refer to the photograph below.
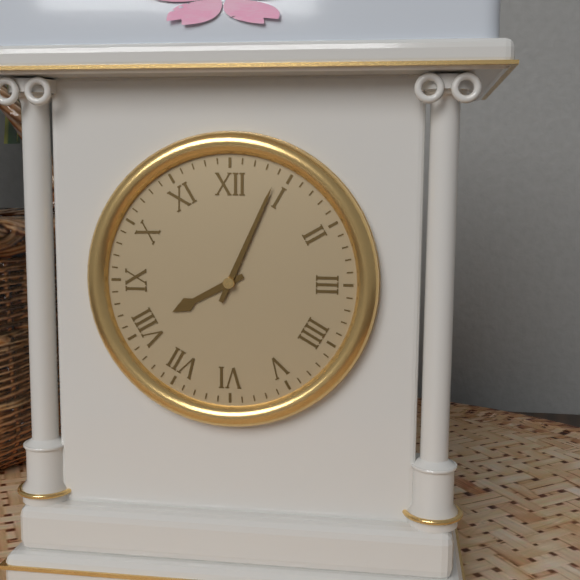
8:04
